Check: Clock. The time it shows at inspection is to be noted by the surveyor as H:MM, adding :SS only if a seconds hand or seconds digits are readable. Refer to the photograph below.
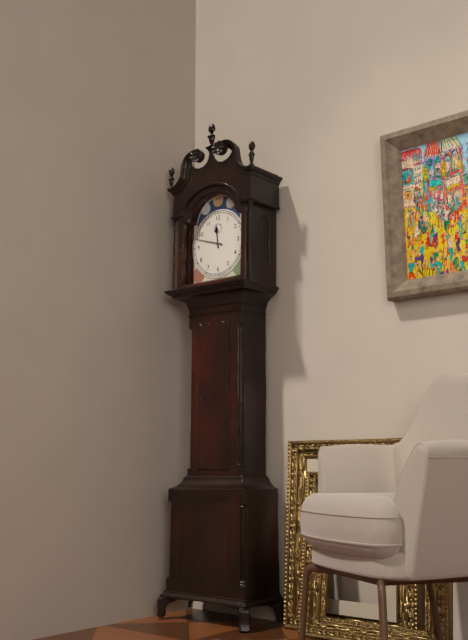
11:48
